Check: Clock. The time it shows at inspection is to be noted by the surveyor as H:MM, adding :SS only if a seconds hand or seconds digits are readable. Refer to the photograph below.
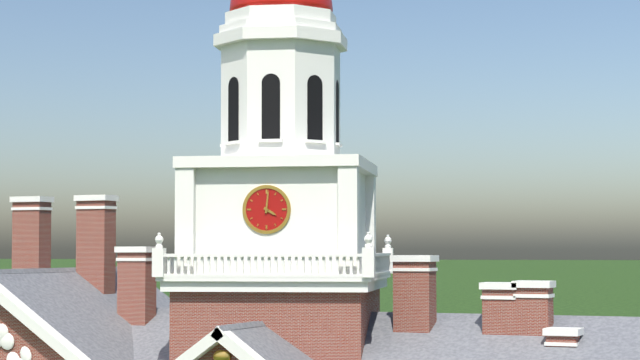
4:01
